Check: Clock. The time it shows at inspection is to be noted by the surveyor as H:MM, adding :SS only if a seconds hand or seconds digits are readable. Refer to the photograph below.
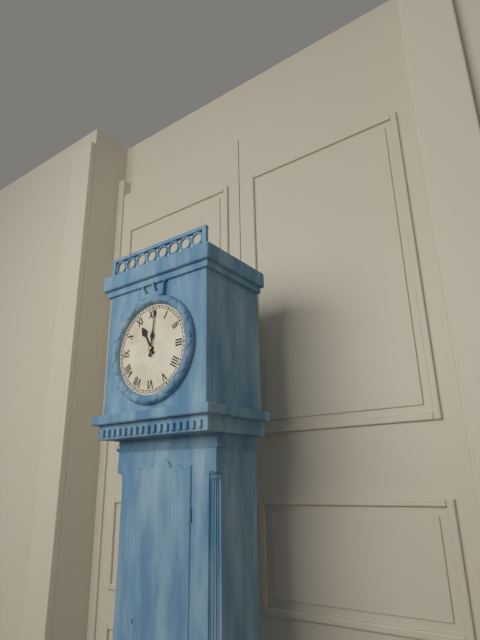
11:01
